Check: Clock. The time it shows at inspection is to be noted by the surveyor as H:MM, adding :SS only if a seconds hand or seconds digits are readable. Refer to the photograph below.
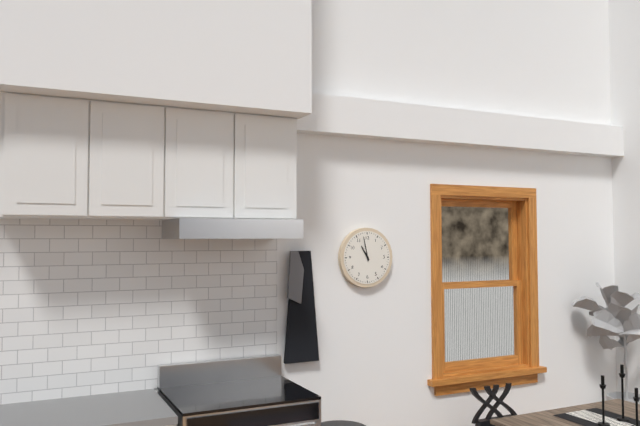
10:58
